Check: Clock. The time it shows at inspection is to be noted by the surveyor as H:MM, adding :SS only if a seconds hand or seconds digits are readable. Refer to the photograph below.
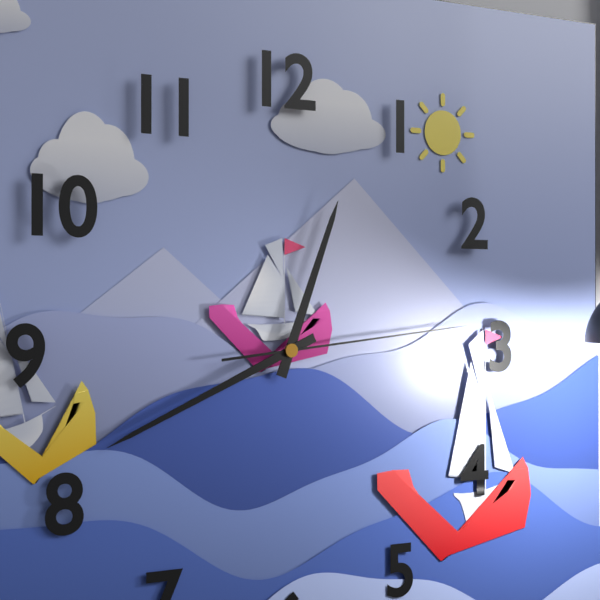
12:41:14
